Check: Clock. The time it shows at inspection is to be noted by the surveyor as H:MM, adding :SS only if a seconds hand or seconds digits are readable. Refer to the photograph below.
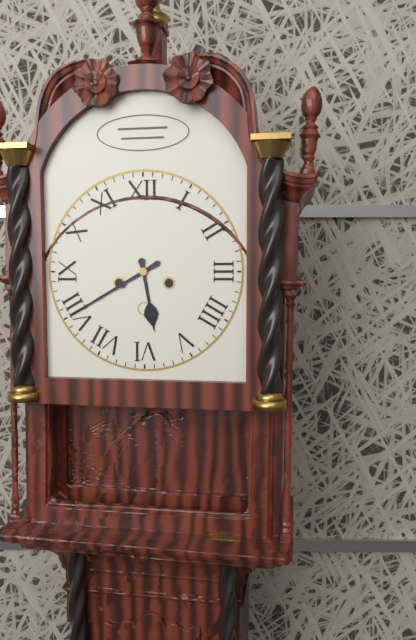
5:40
